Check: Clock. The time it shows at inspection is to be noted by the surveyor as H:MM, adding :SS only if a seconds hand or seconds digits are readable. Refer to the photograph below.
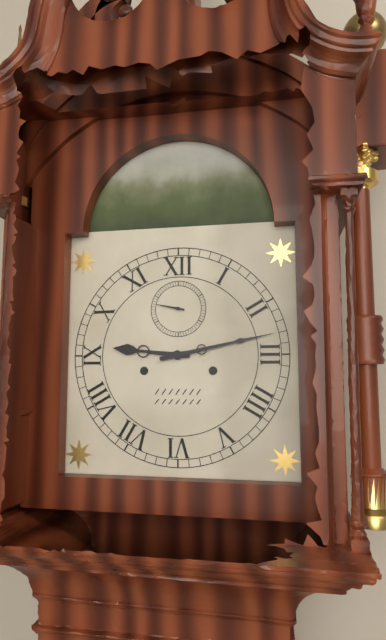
9:13
